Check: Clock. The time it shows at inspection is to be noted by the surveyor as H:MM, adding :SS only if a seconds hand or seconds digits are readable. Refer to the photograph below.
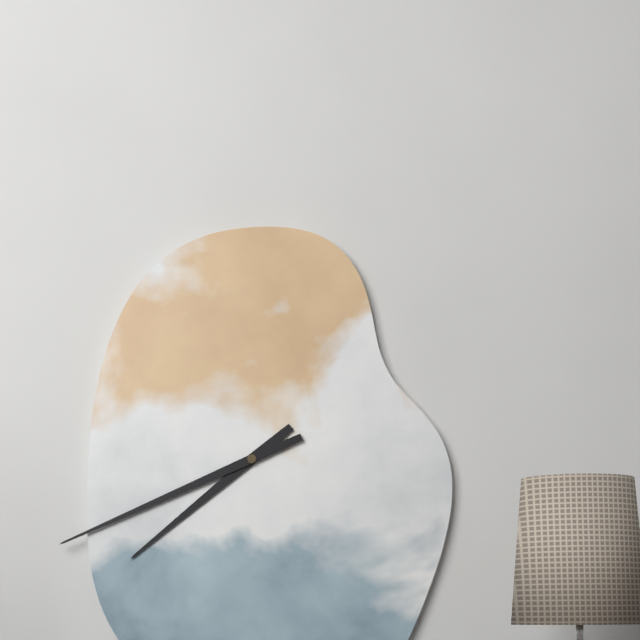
7:41
